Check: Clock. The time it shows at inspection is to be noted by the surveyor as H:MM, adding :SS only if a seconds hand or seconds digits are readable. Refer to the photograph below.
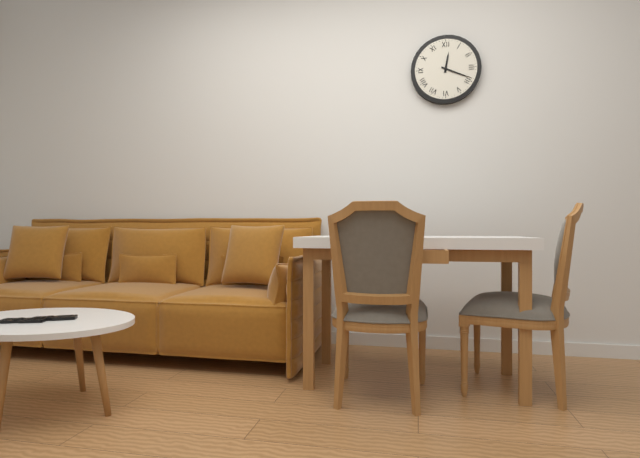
12:19
